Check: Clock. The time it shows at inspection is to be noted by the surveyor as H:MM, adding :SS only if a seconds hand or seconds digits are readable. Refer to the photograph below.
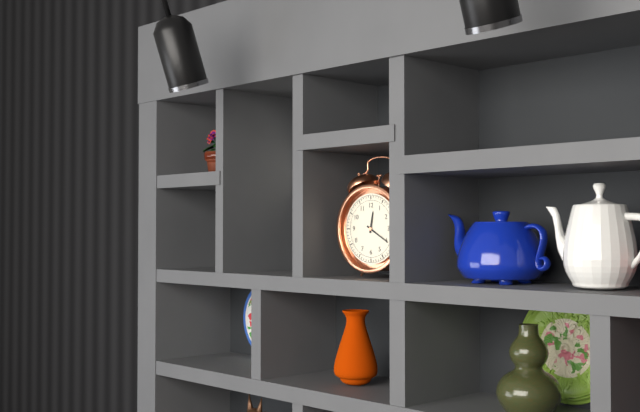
12:20
